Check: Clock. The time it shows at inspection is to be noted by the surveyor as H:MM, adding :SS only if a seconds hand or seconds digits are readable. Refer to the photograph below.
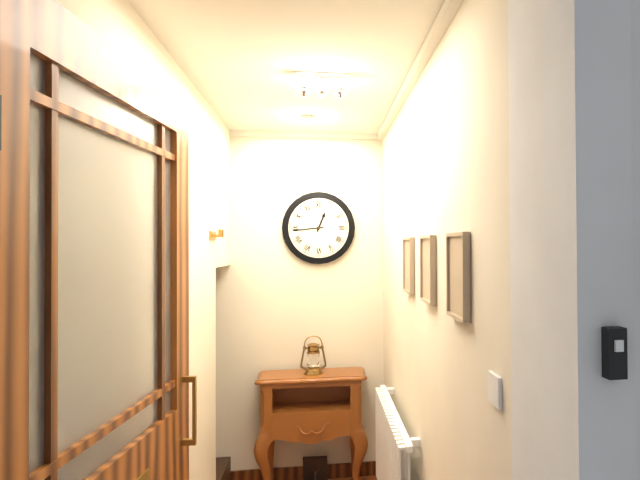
12:44
